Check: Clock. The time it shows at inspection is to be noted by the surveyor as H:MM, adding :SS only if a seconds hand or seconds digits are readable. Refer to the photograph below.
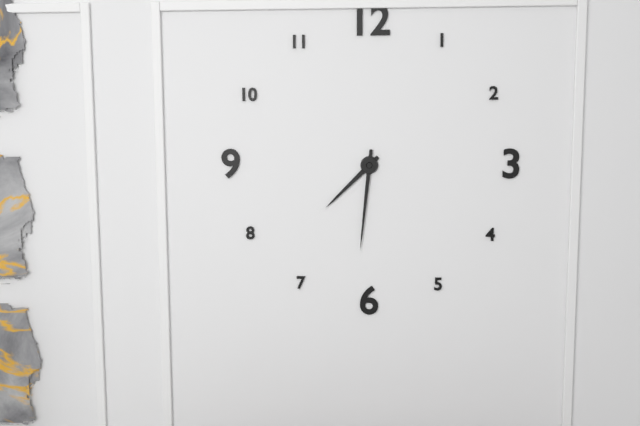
7:31
